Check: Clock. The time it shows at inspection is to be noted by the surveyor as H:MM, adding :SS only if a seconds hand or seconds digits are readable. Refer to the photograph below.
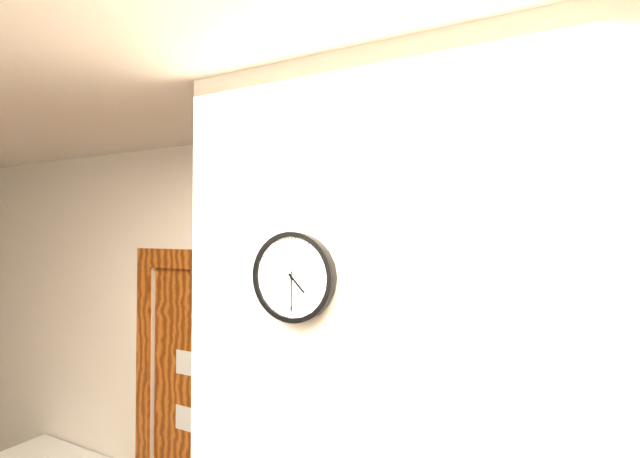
4:30
